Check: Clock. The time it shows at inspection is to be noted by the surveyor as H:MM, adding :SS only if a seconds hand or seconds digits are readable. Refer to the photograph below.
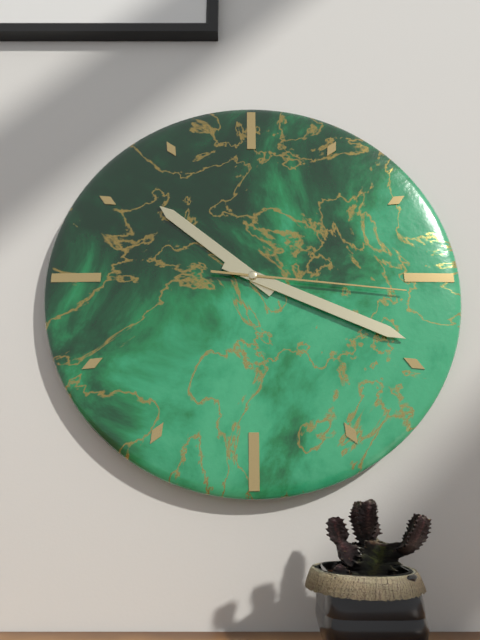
10:19:16
